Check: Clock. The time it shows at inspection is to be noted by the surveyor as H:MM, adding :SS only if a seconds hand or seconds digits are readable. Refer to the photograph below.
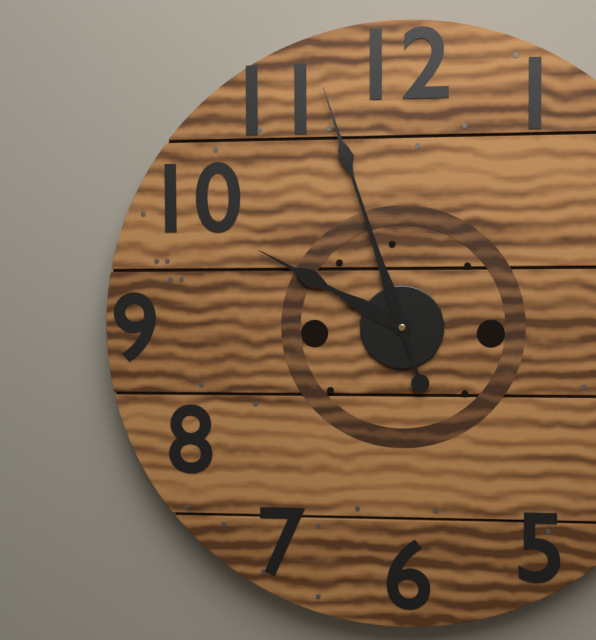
9:57
